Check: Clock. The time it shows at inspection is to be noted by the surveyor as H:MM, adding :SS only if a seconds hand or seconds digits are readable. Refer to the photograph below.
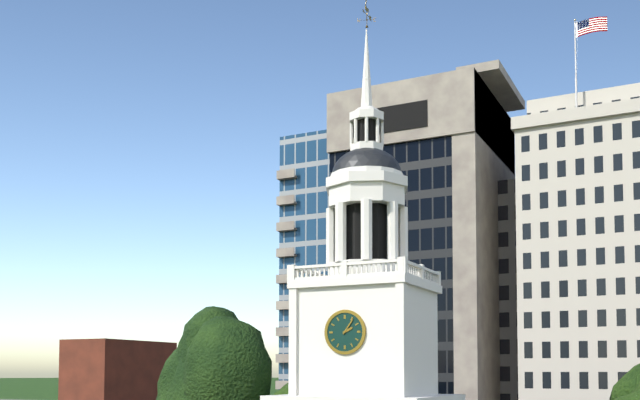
2:06
